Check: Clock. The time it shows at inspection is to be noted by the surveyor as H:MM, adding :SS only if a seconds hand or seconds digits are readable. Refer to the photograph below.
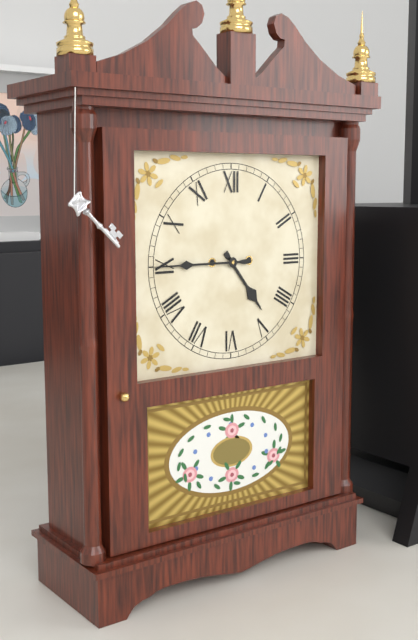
4:45
